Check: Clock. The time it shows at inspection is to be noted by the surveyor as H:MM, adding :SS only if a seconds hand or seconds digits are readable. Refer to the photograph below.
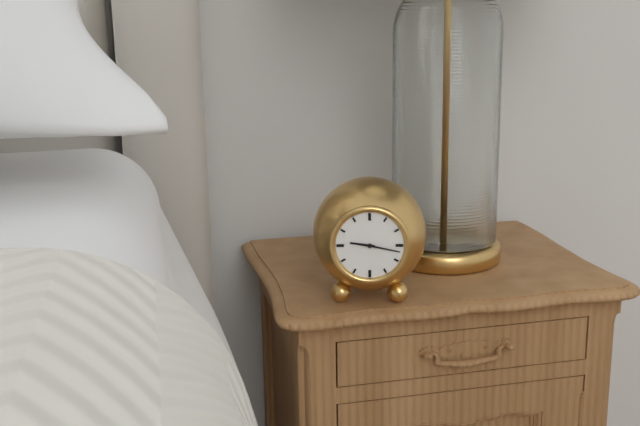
9:17
